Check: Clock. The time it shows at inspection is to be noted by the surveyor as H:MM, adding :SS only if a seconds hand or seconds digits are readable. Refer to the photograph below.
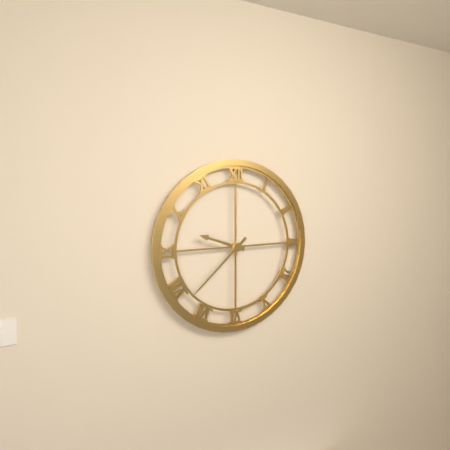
9:38
